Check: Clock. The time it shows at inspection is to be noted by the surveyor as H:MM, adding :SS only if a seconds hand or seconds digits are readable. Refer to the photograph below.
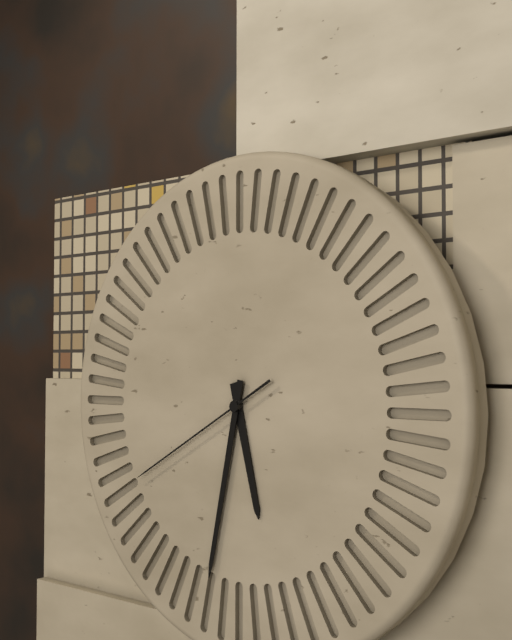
5:32:40
